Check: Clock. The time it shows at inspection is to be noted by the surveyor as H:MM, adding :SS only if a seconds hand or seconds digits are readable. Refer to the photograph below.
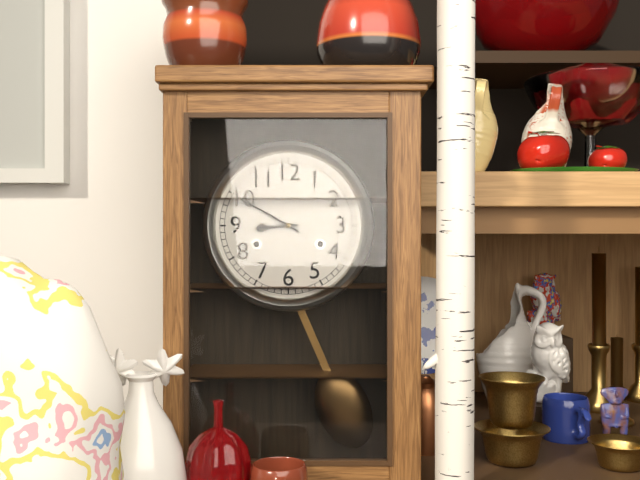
8:50
